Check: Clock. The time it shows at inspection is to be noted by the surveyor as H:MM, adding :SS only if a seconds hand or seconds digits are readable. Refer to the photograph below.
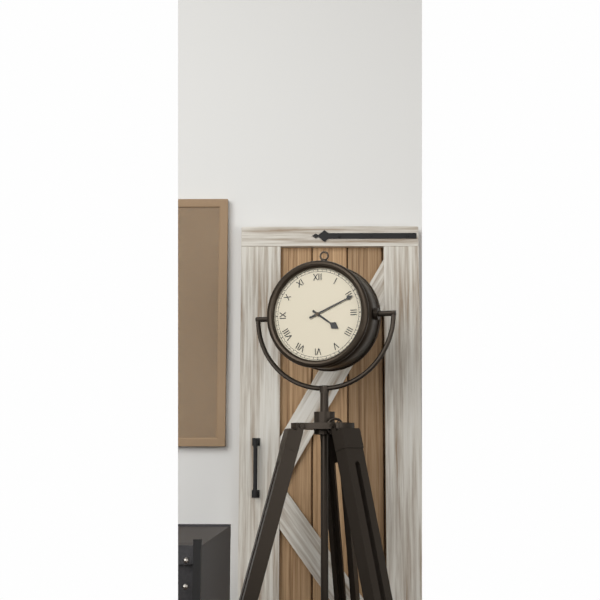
4:11
